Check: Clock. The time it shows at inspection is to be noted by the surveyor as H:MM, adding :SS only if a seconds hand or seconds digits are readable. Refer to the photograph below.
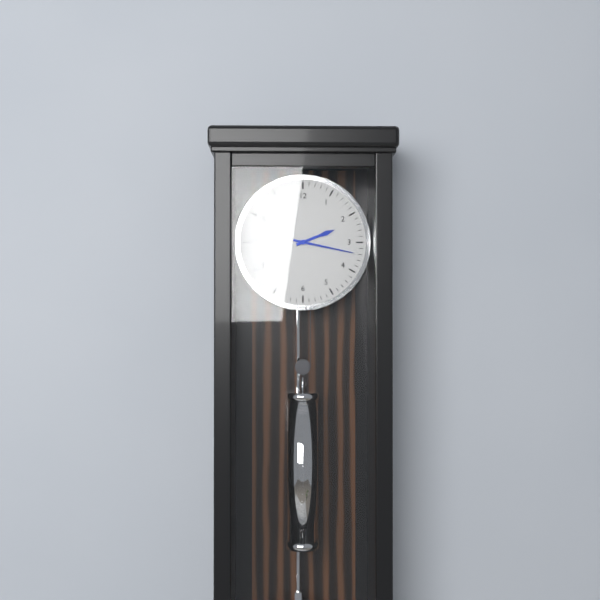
2:17
